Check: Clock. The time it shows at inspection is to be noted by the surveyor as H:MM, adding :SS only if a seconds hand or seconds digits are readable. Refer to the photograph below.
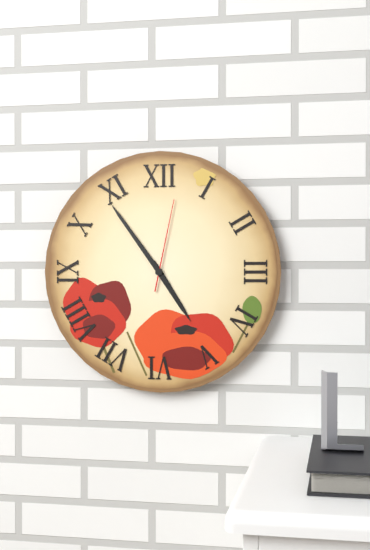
4:54:02
